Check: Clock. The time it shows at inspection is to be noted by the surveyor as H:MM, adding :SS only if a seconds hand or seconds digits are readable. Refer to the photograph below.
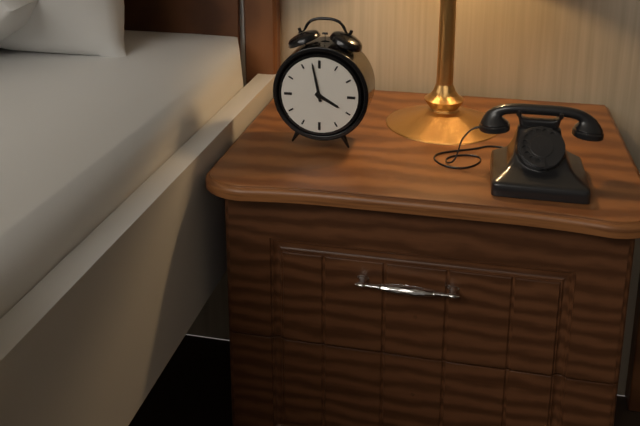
3:58
